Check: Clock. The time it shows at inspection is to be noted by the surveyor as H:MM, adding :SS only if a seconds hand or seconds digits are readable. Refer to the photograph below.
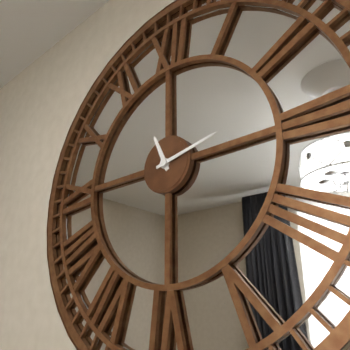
11:13
